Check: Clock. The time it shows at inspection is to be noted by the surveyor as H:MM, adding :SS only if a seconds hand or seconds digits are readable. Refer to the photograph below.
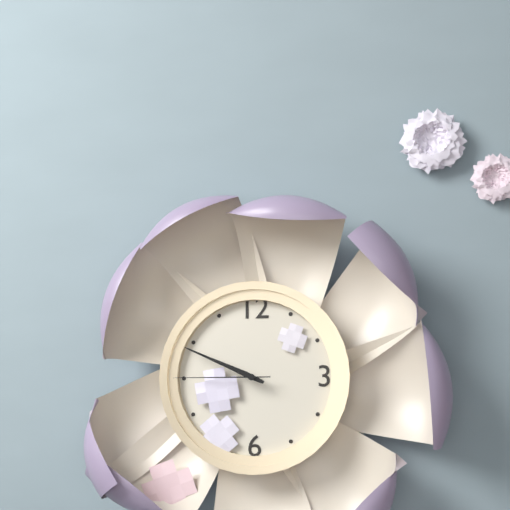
9:49:45
